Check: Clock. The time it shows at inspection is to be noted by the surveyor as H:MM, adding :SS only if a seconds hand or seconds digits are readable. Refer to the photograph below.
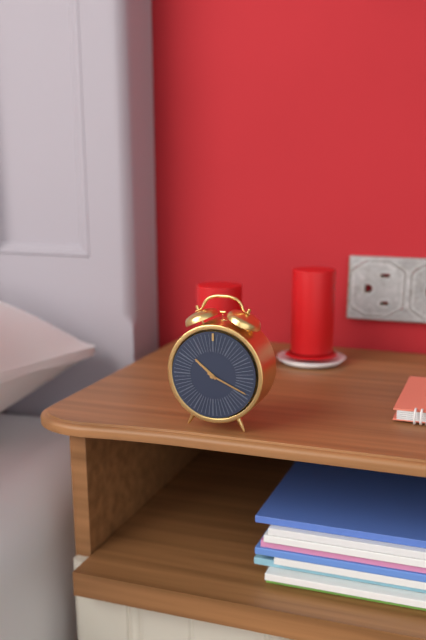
10:19
